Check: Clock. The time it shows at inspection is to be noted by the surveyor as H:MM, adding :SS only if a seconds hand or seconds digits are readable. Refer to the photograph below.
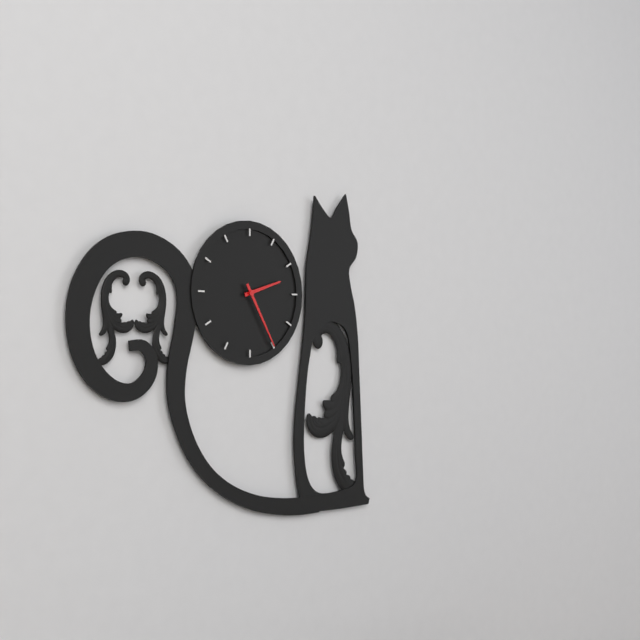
2:25
